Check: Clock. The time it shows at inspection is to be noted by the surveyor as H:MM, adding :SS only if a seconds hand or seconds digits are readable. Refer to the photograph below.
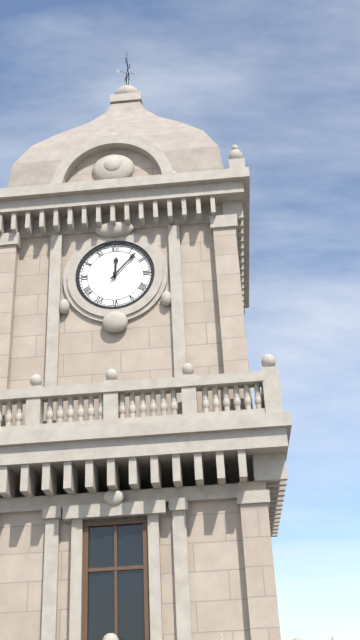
12:07
